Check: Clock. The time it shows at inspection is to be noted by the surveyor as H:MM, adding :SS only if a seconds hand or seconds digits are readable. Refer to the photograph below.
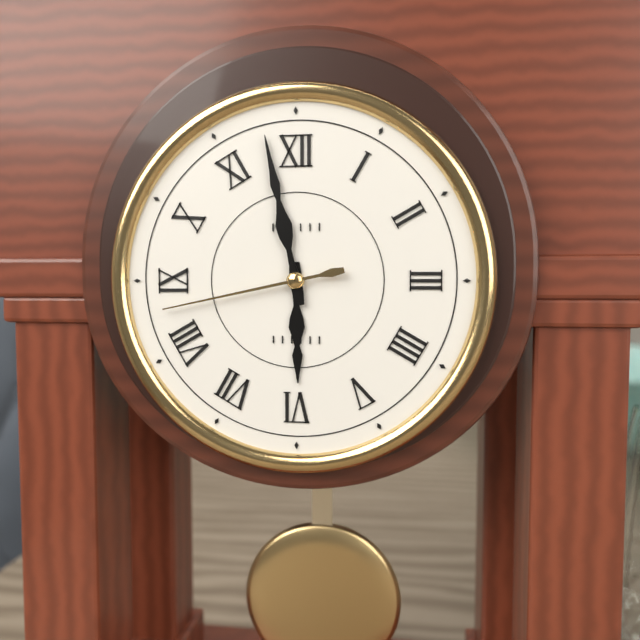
5:58:43
